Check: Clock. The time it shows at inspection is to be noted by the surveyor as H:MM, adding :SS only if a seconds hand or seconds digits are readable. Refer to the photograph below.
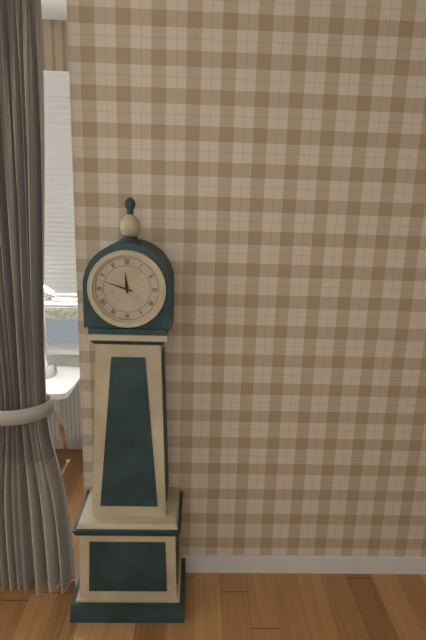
11:48
